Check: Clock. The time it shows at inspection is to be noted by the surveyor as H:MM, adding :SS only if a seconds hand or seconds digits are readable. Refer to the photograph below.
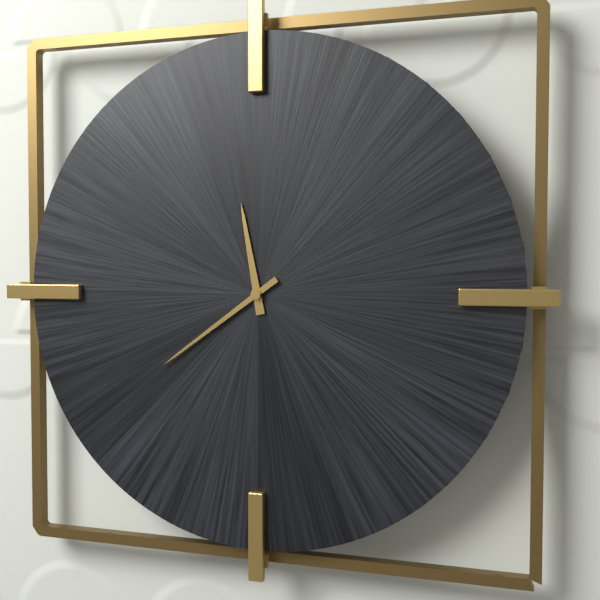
11:39
